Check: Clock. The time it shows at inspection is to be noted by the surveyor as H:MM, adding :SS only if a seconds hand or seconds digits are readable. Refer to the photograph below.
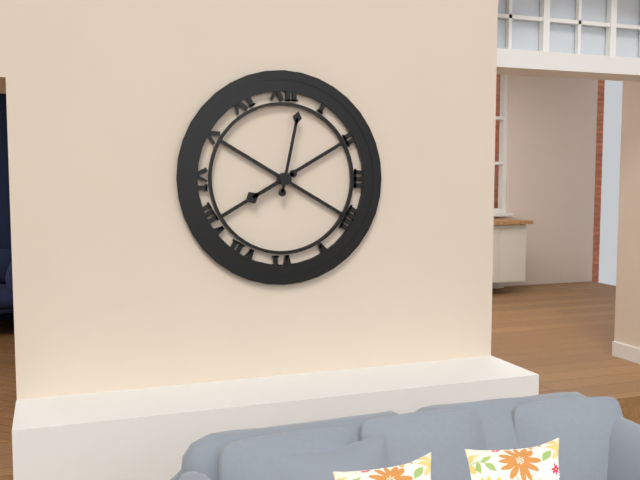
8:02
